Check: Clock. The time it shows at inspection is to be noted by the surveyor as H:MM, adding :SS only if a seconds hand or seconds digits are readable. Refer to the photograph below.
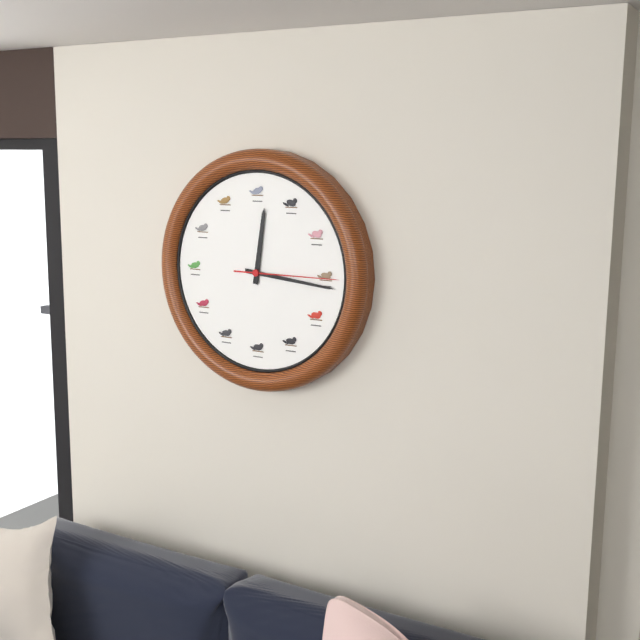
12:16:15
